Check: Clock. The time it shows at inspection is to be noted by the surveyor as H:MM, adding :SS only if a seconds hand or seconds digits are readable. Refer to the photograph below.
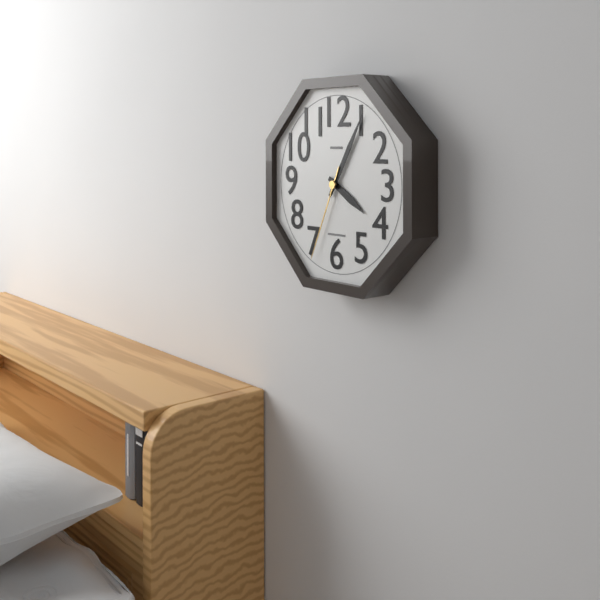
4:05:34
